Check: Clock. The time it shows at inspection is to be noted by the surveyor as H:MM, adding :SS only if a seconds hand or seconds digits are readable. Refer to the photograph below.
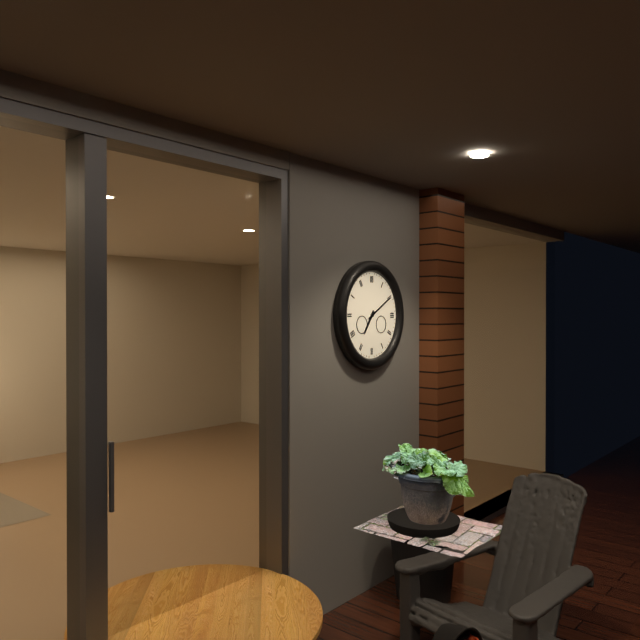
7:10
